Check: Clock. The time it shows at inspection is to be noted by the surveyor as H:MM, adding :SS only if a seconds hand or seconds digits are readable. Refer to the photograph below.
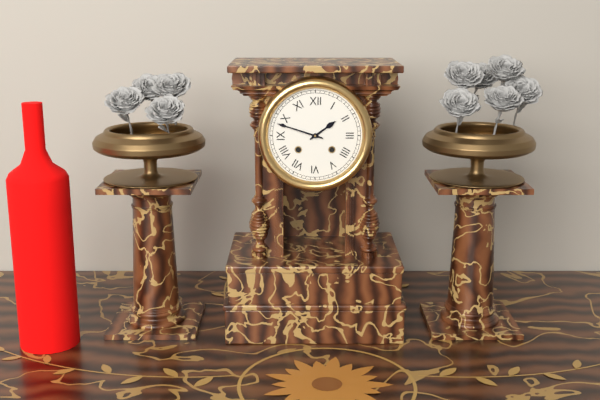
1:48
